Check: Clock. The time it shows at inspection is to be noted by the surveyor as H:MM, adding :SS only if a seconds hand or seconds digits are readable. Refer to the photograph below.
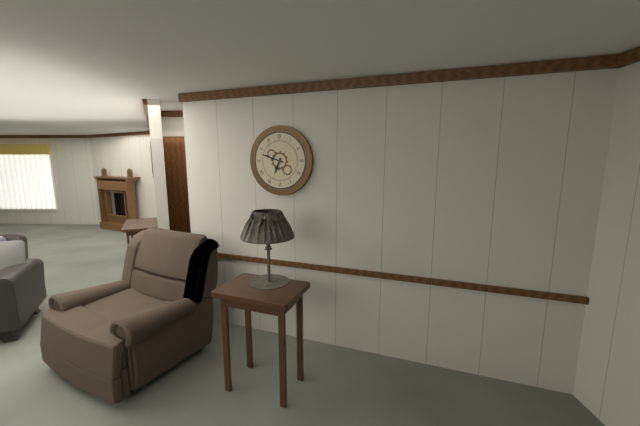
6:48
